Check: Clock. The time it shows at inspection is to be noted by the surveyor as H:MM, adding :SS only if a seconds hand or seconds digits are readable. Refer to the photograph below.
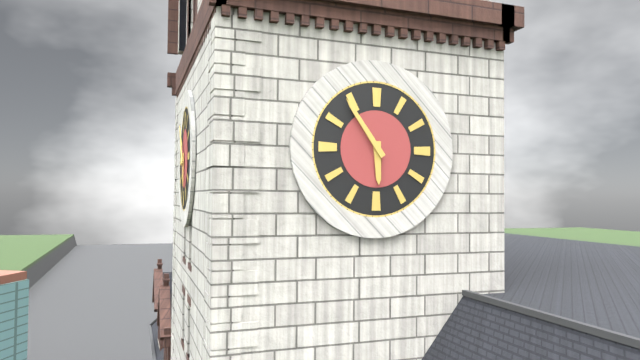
5:54
